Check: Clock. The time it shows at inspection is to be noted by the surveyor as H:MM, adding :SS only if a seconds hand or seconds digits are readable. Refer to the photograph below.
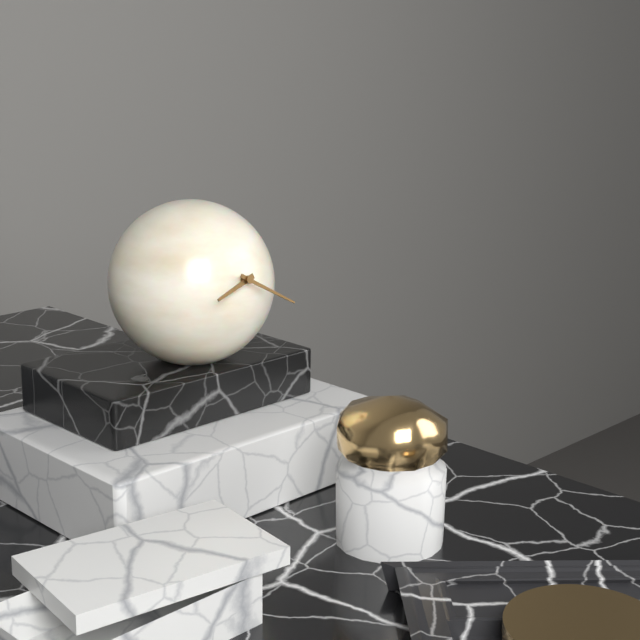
8:20
